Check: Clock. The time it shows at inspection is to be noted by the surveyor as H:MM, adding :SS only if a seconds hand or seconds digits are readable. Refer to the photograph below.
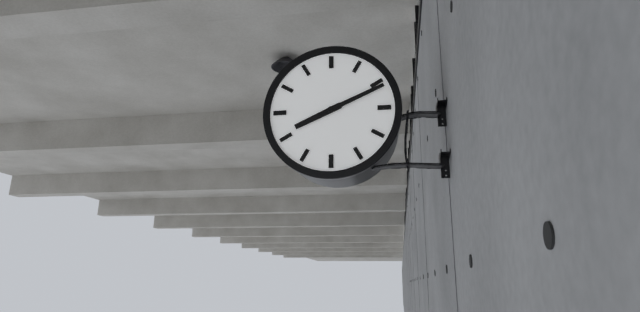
8:11
